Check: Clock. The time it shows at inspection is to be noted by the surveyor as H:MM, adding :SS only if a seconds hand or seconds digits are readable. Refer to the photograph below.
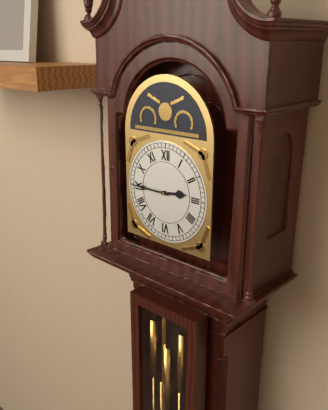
2:45
